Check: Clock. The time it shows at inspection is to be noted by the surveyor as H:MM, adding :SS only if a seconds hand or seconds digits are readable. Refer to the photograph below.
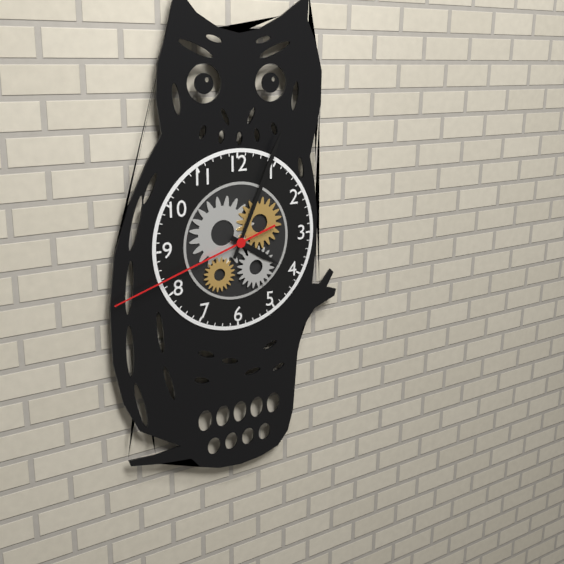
4:04:42
